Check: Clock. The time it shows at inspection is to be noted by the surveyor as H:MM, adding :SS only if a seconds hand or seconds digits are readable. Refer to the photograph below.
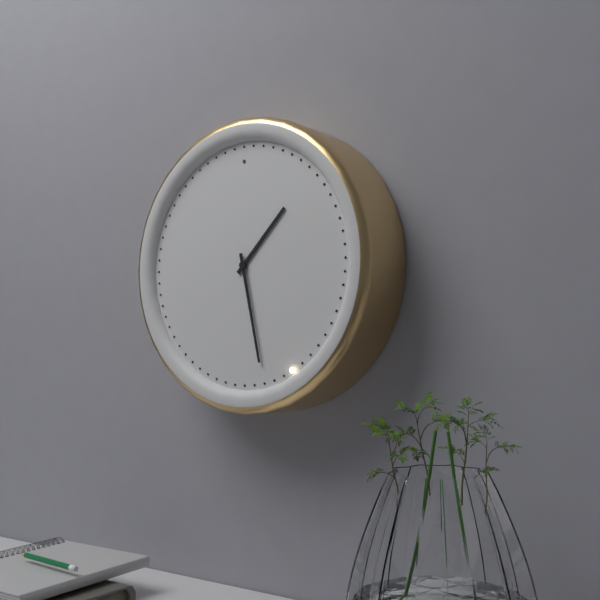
1:28
